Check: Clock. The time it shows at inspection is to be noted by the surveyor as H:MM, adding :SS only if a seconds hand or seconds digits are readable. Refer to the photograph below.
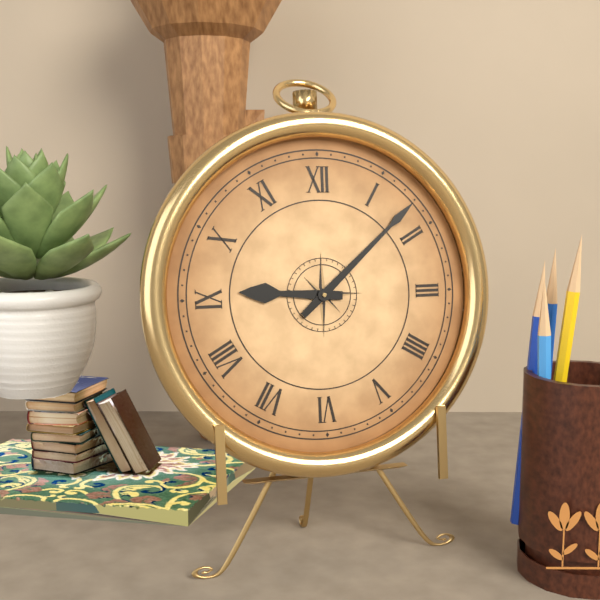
9:08
